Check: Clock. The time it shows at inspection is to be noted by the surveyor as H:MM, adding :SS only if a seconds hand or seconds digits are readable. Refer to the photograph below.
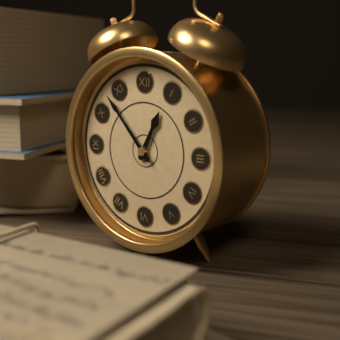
12:53
